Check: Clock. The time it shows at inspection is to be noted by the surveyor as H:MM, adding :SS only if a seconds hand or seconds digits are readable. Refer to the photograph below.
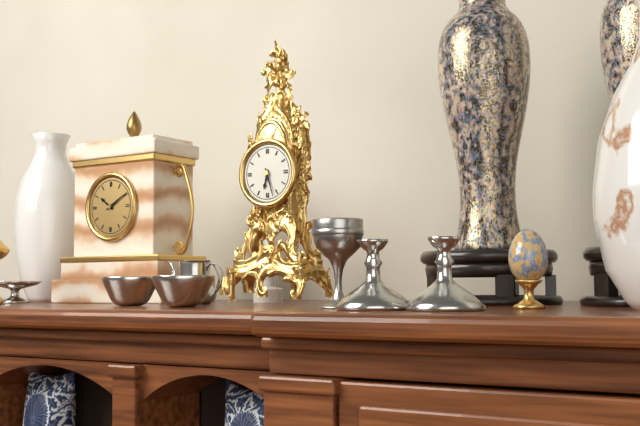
6:27
